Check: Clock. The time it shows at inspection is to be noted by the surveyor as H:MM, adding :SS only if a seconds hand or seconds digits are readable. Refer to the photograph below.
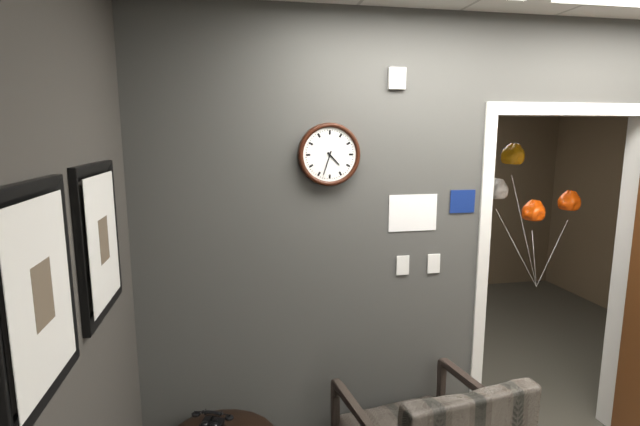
4:33
